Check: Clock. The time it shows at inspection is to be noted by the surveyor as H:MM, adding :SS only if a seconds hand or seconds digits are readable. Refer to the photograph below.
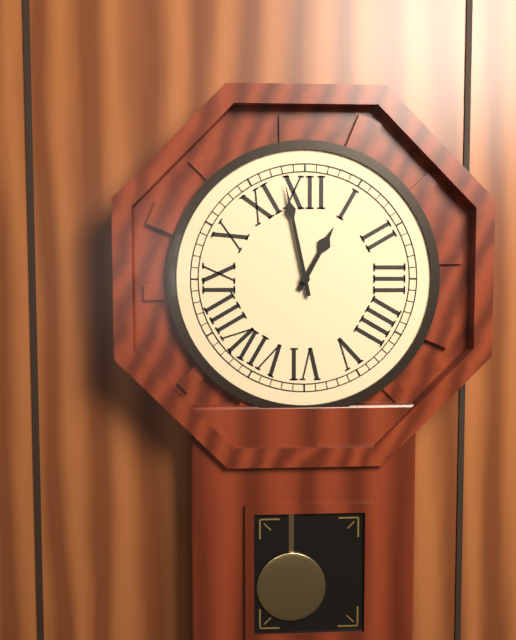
12:58
